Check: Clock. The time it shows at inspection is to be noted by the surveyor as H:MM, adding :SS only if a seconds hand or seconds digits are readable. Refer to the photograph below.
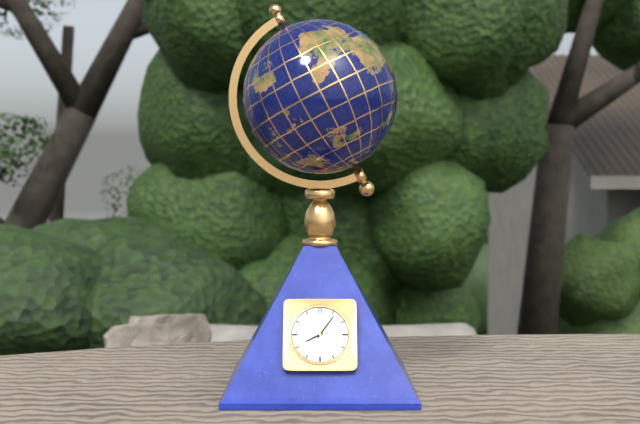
8:06
